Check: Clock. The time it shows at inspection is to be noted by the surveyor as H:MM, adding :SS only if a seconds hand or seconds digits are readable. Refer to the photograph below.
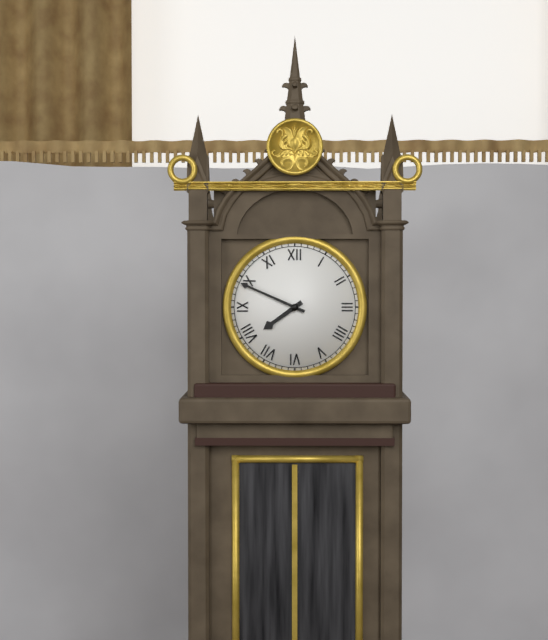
7:49
